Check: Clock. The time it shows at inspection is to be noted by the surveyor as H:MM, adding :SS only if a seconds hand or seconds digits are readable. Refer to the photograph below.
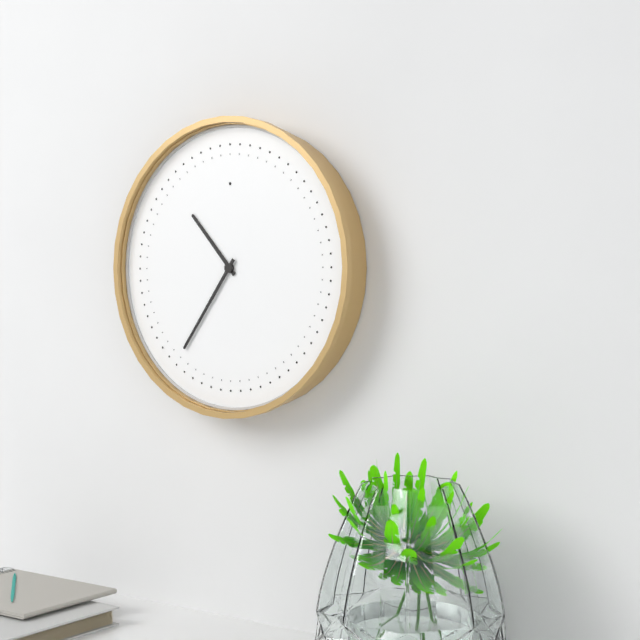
10:36
